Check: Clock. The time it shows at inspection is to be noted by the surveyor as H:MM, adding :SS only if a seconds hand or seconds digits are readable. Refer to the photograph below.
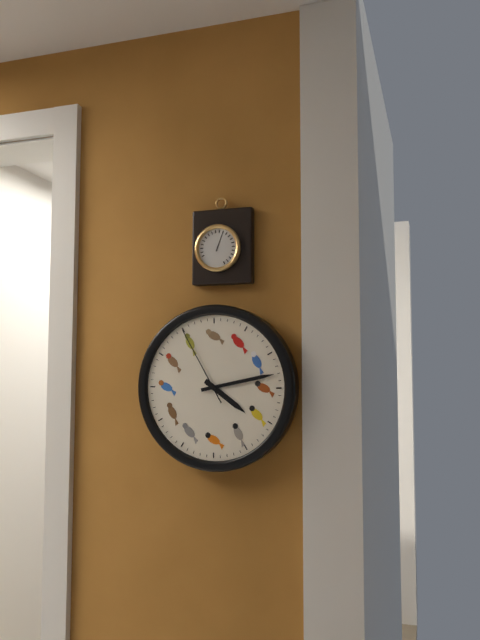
4:13:55
